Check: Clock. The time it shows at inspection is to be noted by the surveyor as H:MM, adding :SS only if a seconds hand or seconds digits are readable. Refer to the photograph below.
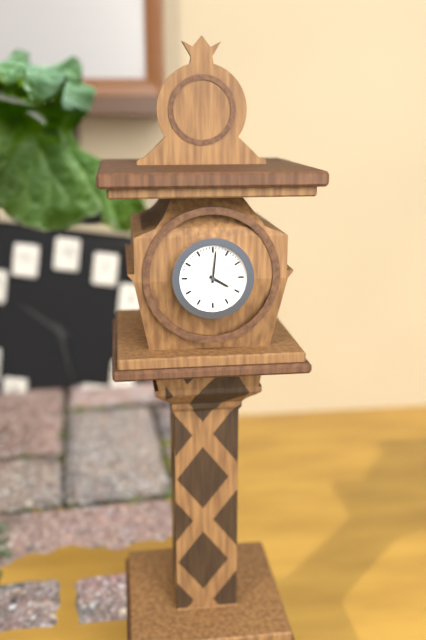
4:01
